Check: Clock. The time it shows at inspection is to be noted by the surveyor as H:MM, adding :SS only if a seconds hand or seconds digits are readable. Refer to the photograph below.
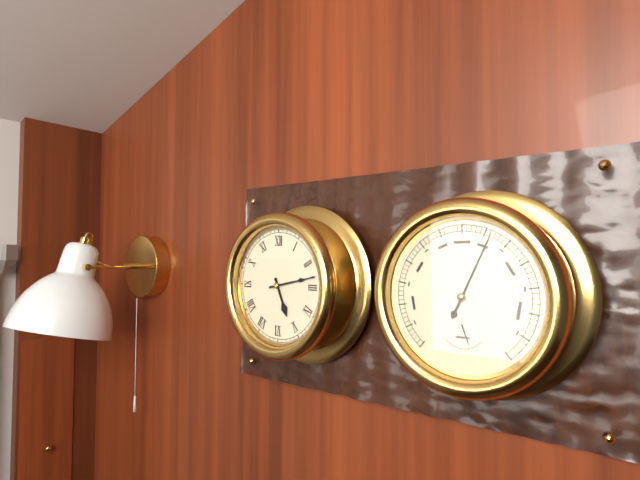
5:13
